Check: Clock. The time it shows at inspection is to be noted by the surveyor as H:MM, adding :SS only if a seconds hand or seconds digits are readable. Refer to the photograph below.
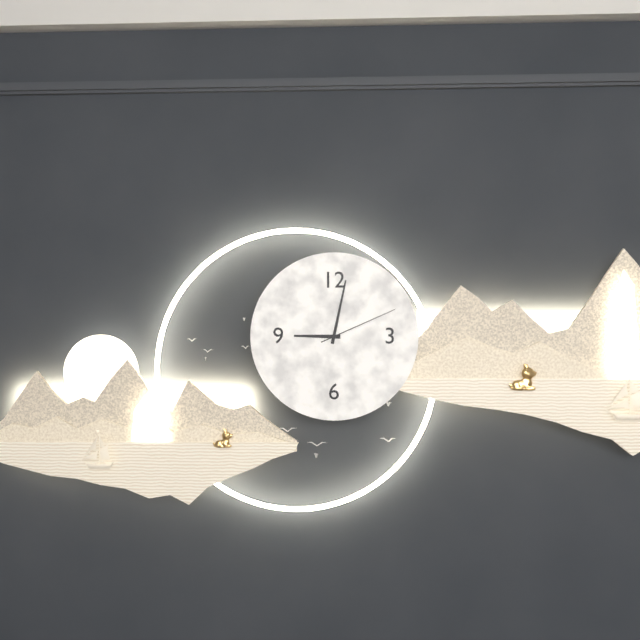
9:02:11
